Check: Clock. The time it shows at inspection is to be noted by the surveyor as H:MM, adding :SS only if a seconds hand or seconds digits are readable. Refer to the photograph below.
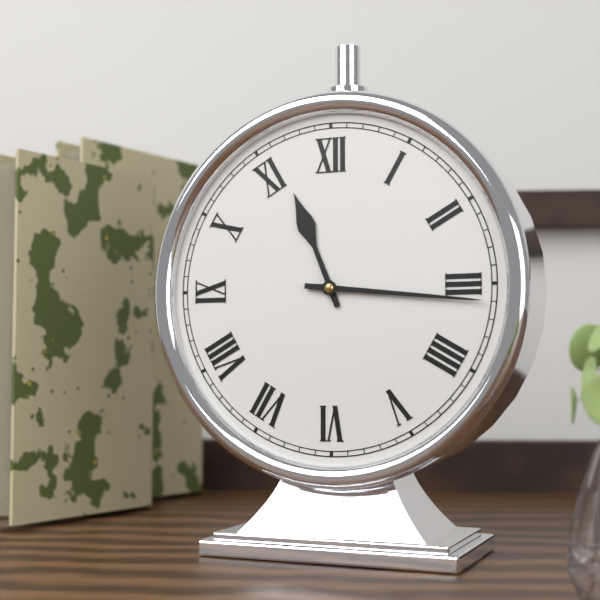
11:16
